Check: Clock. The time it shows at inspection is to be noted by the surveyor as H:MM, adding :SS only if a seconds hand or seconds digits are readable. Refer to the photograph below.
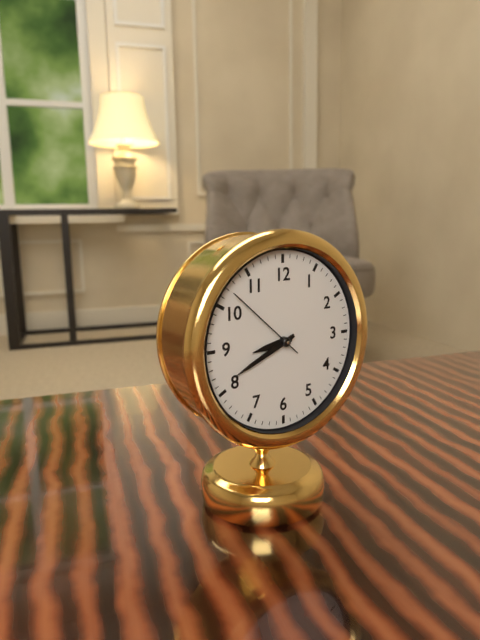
8:41:52
